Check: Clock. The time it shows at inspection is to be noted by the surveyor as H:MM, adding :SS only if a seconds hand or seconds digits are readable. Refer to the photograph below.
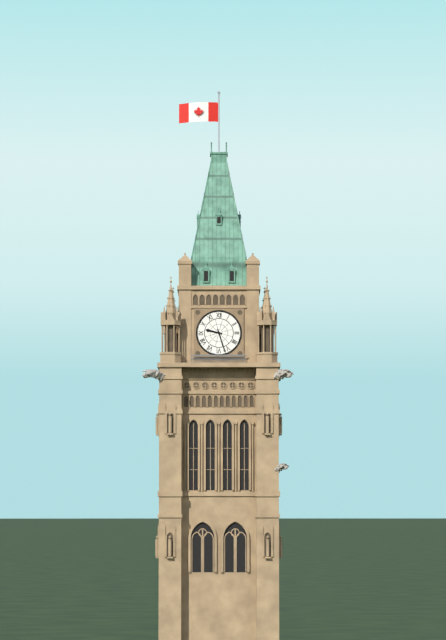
9:27
